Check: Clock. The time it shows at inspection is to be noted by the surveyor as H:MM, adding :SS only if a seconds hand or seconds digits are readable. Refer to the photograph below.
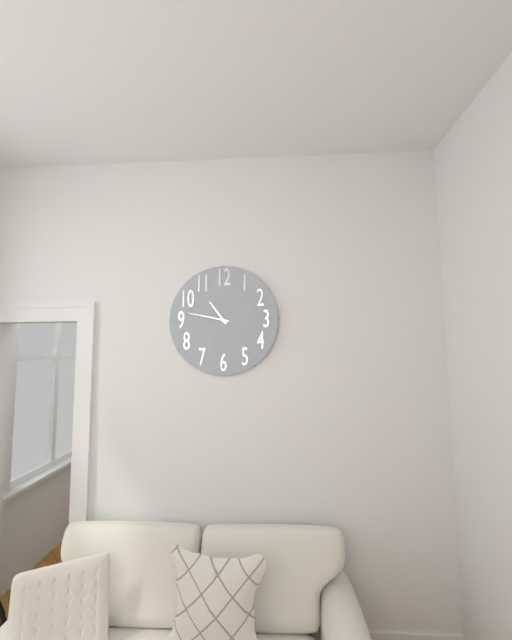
10:47
